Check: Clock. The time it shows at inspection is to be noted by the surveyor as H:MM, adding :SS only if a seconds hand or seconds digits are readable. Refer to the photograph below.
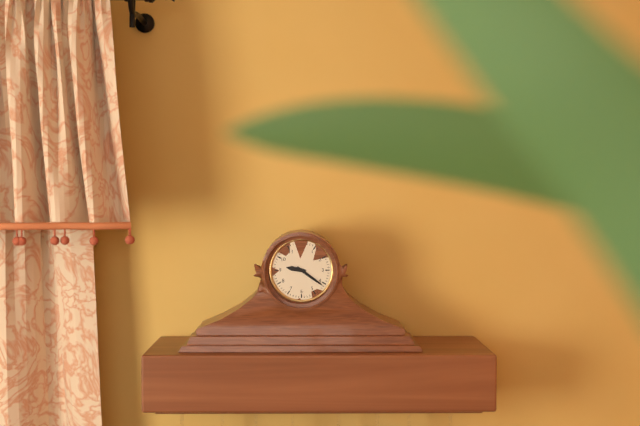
9:21
